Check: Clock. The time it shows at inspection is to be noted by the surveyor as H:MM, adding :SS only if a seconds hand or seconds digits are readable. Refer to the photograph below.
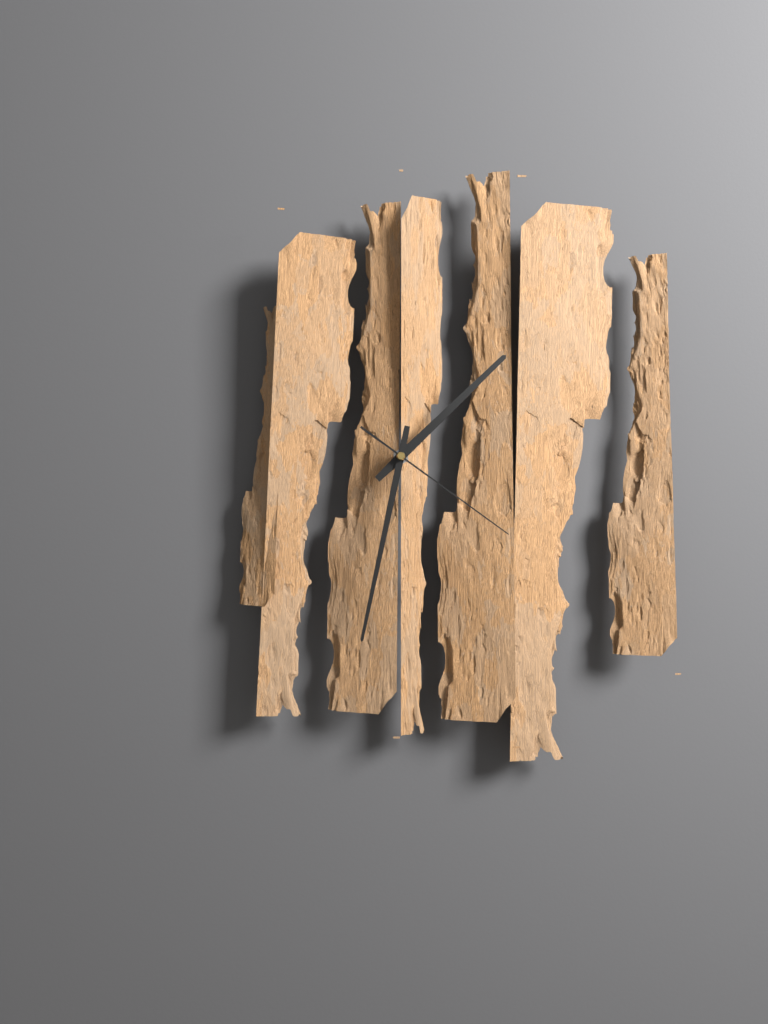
1:32:21
